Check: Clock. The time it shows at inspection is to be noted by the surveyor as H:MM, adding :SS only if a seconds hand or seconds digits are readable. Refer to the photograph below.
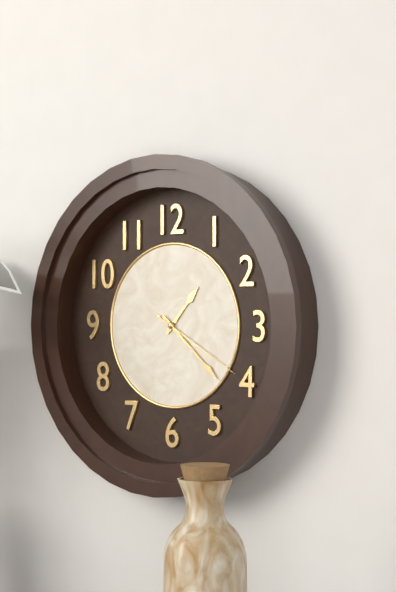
1:22:20
